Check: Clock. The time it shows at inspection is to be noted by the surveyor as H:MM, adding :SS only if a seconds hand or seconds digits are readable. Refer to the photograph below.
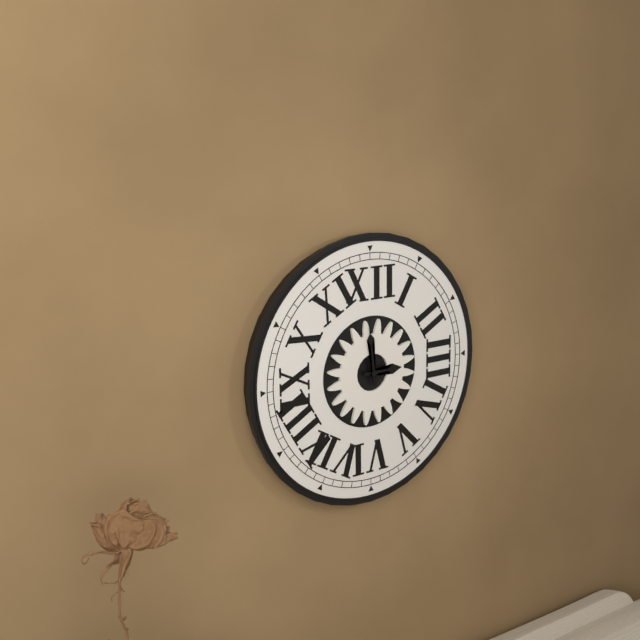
2:59
